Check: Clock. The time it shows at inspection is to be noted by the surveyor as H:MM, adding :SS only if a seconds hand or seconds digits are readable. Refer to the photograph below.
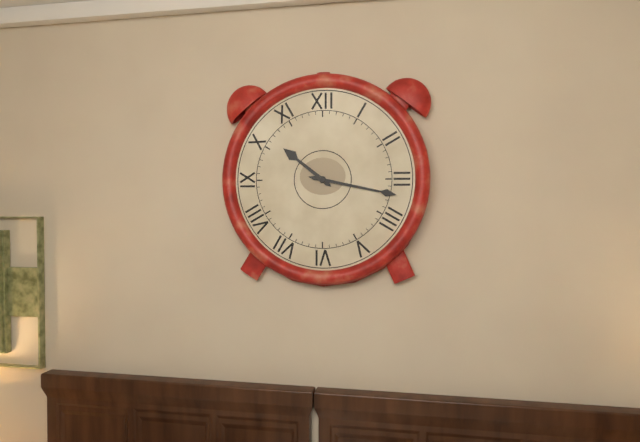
10:17
